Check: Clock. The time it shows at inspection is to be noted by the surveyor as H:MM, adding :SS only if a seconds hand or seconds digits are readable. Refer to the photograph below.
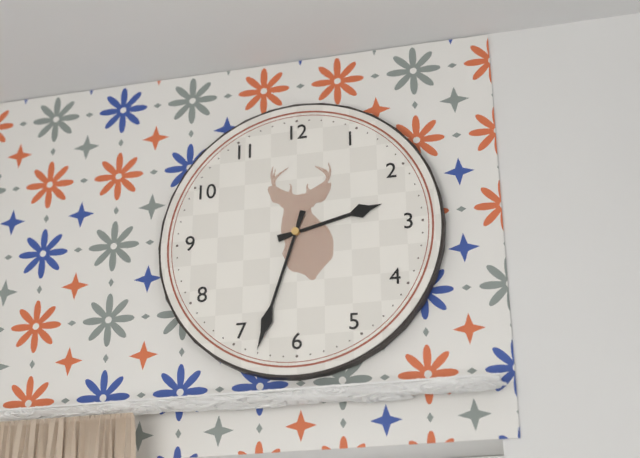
2:33
